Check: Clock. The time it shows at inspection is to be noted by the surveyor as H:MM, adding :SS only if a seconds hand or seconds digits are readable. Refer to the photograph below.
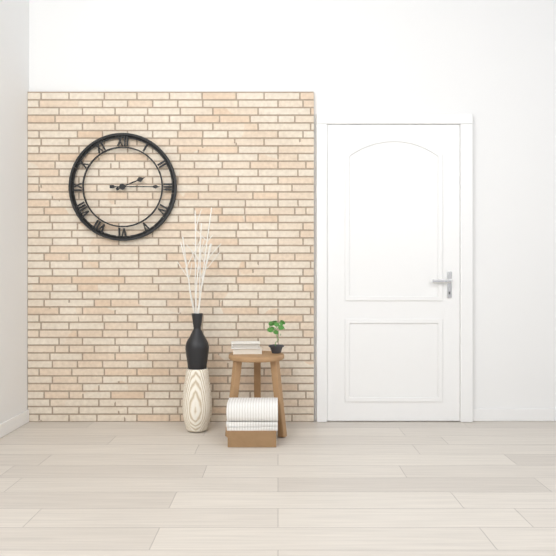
2:15
